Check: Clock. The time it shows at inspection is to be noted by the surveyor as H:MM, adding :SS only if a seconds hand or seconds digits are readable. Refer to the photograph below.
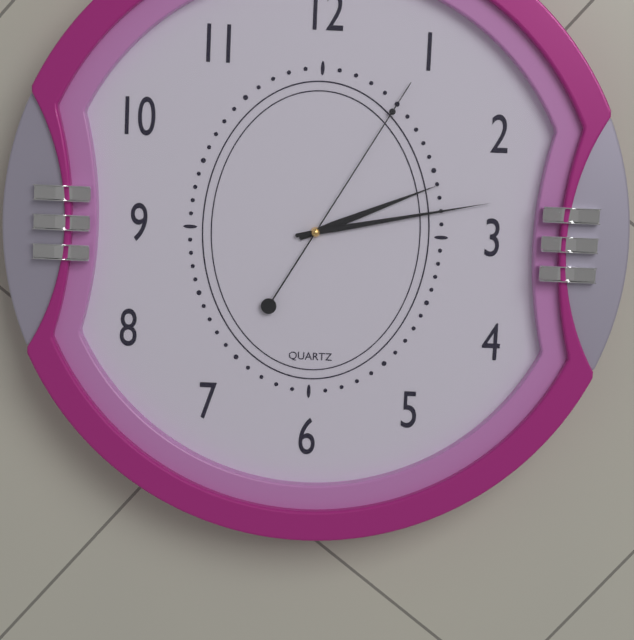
2:13:05
